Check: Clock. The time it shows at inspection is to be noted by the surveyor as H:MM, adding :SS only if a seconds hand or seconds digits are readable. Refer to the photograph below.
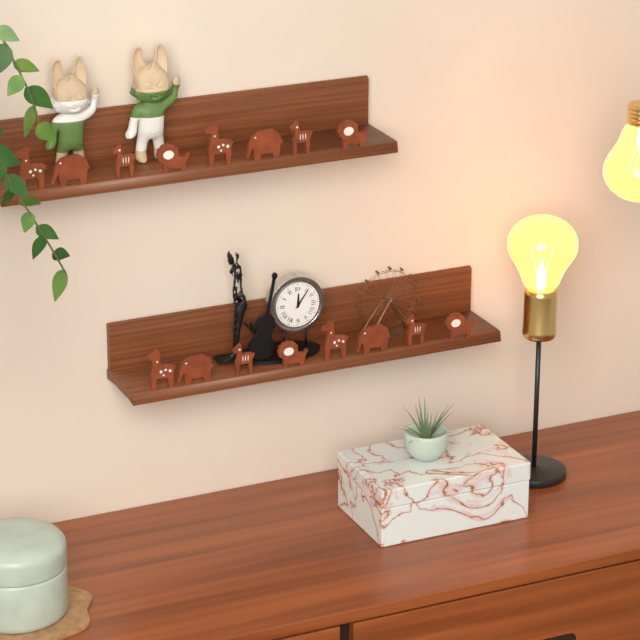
12:06
